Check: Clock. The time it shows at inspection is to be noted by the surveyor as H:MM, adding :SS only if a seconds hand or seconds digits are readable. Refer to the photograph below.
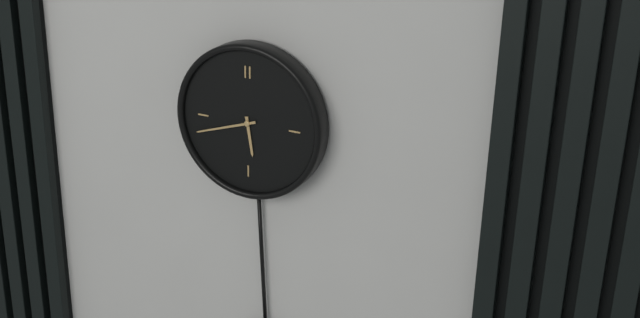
5:42
